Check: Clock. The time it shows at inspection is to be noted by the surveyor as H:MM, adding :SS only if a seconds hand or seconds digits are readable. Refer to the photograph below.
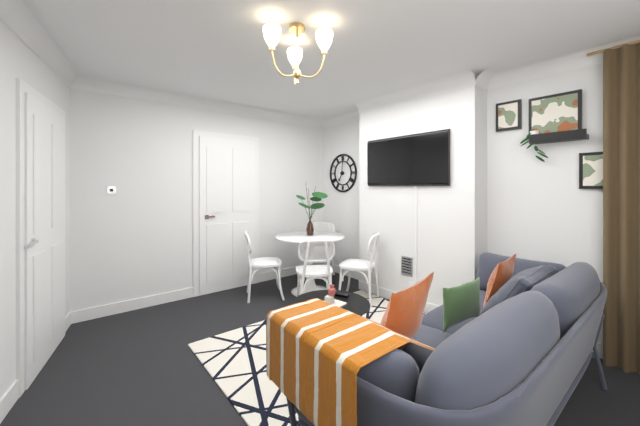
7:01
